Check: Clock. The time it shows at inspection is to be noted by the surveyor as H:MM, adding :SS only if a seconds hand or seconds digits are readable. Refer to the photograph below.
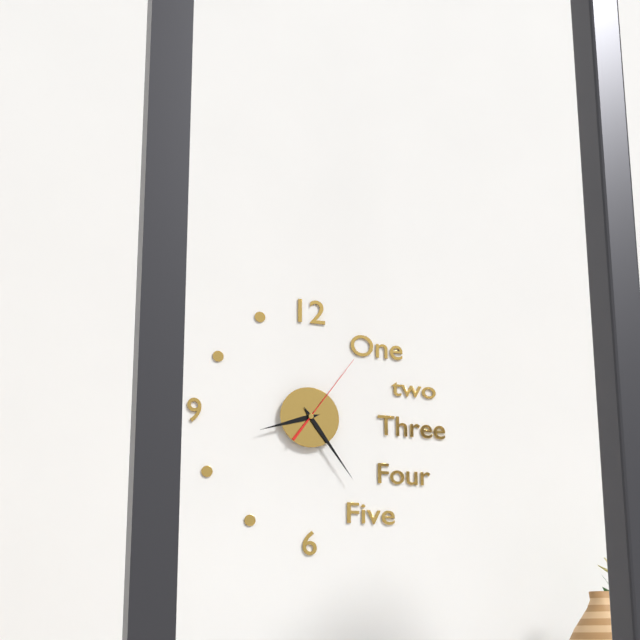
8:24:06
